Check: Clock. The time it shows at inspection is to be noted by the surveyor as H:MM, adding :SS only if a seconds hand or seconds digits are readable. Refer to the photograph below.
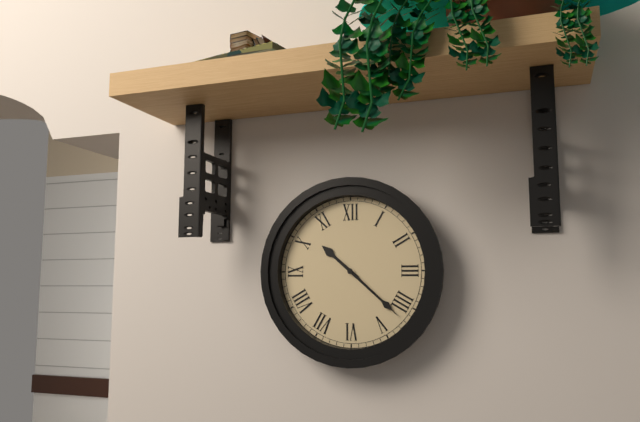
10:22
